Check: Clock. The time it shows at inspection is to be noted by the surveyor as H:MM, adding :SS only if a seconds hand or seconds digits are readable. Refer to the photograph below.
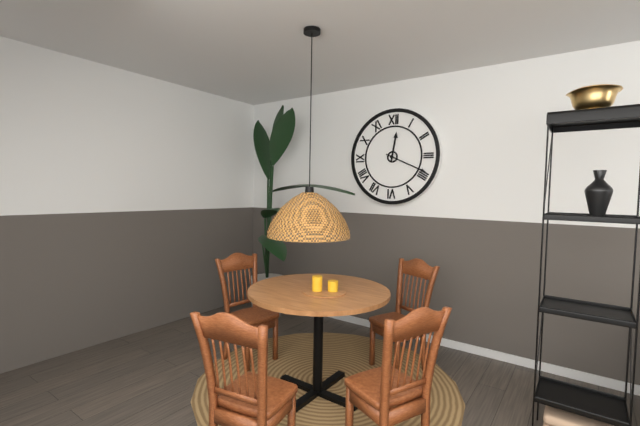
12:19
